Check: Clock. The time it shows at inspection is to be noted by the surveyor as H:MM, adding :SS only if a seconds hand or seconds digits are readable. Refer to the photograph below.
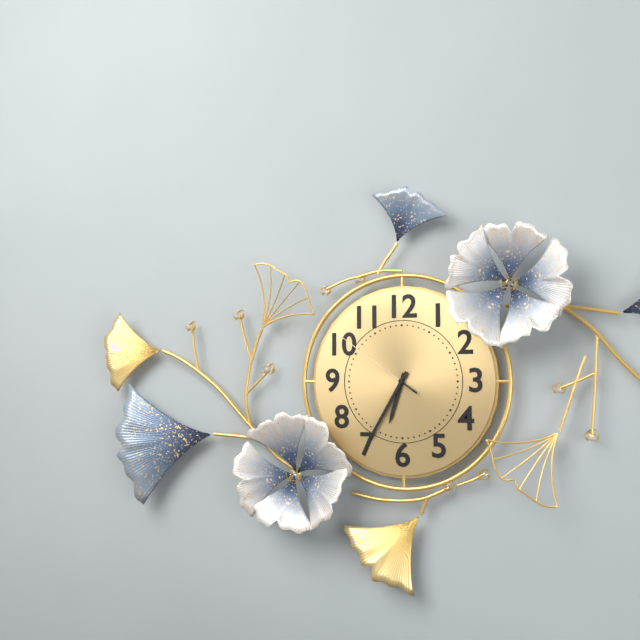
6:35:51
